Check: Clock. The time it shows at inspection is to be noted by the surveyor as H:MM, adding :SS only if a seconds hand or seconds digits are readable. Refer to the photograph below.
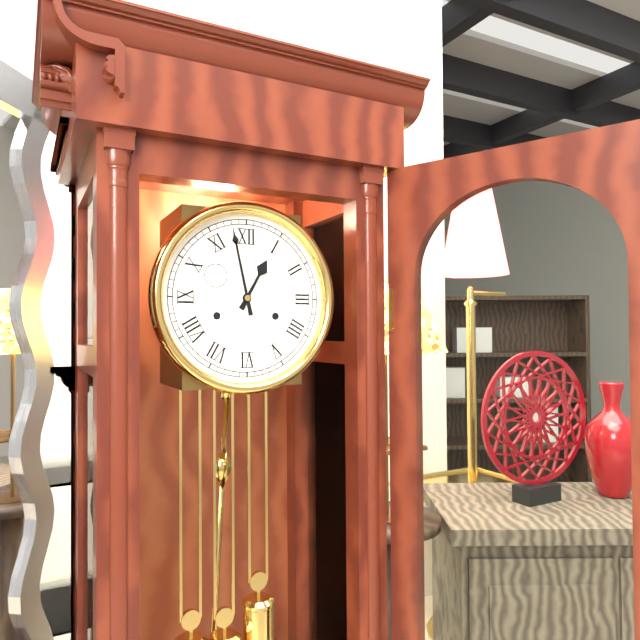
12:58
